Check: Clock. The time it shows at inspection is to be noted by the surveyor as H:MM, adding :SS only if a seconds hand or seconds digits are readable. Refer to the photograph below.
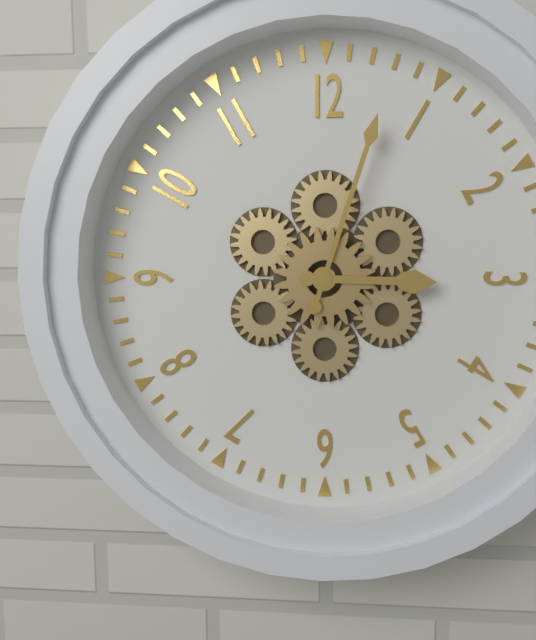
3:03
